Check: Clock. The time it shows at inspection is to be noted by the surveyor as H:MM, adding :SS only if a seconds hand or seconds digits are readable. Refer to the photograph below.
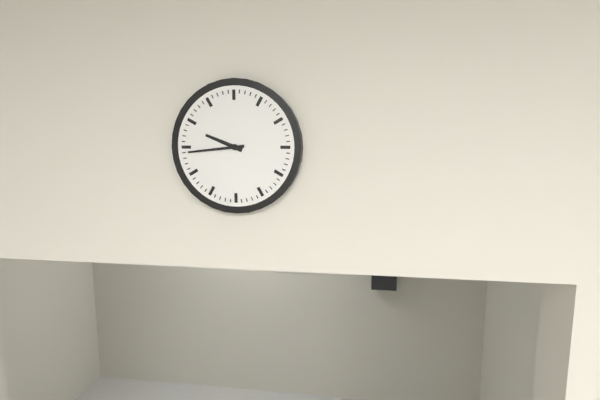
9:44
